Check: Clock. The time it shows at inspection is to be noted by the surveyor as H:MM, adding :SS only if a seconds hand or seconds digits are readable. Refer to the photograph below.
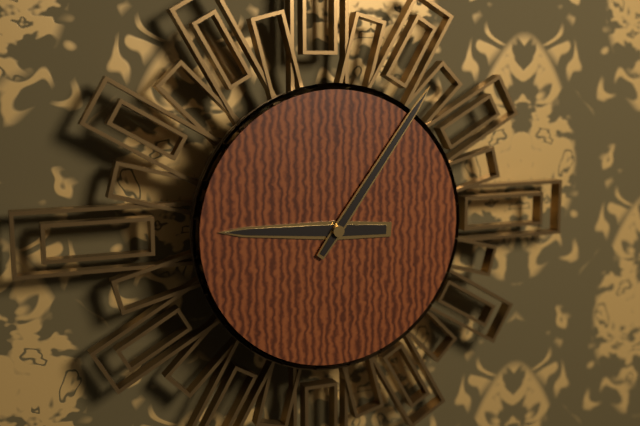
9:06
